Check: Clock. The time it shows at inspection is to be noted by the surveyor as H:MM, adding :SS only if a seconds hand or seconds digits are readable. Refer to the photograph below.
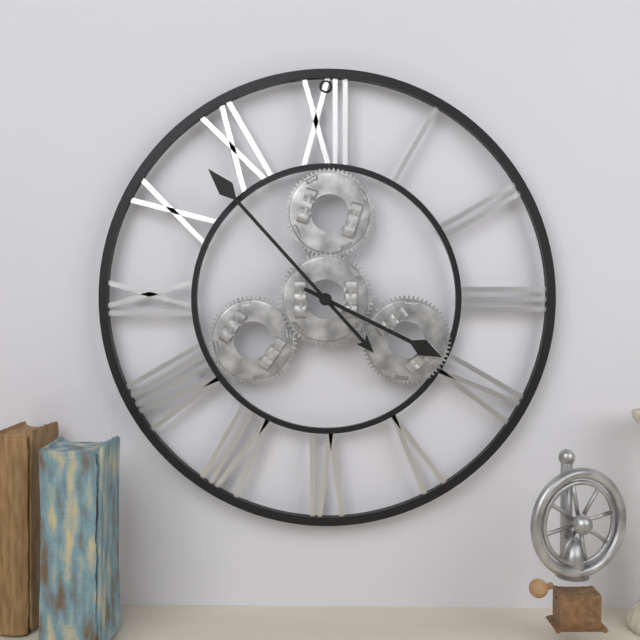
3:53
